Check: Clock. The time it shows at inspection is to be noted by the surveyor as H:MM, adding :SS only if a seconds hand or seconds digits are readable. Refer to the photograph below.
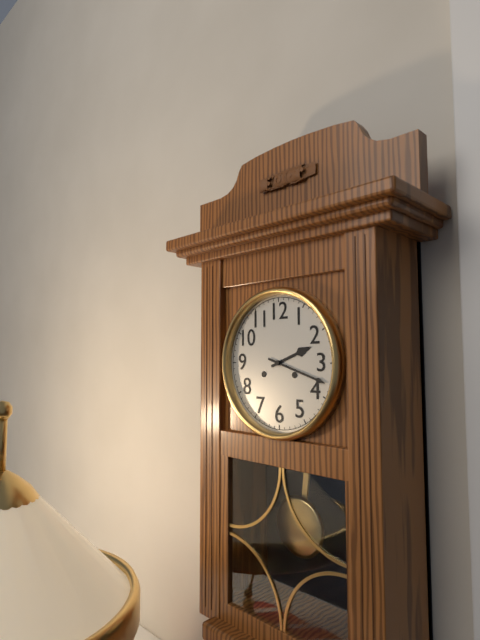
2:18
